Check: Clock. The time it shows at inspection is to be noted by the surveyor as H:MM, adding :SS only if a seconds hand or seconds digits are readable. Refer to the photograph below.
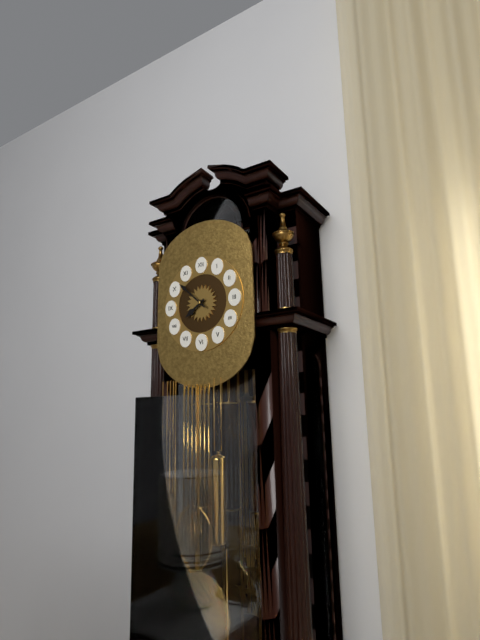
7:52
